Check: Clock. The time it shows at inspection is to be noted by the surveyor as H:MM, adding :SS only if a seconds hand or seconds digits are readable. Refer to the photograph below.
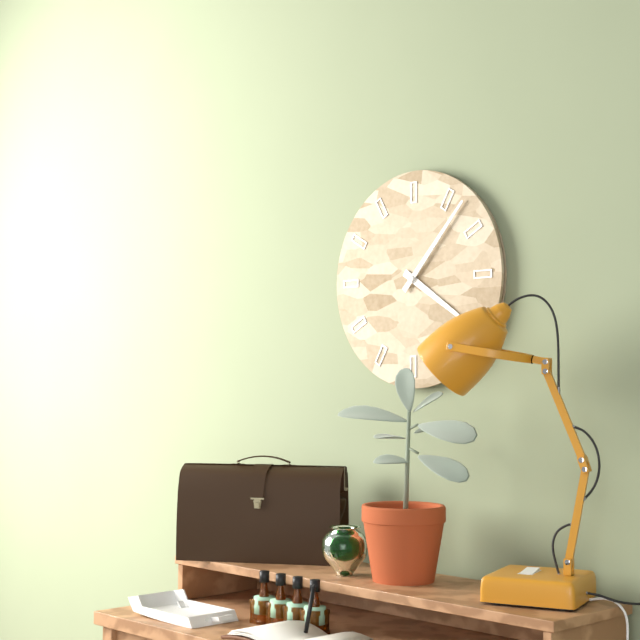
4:07
